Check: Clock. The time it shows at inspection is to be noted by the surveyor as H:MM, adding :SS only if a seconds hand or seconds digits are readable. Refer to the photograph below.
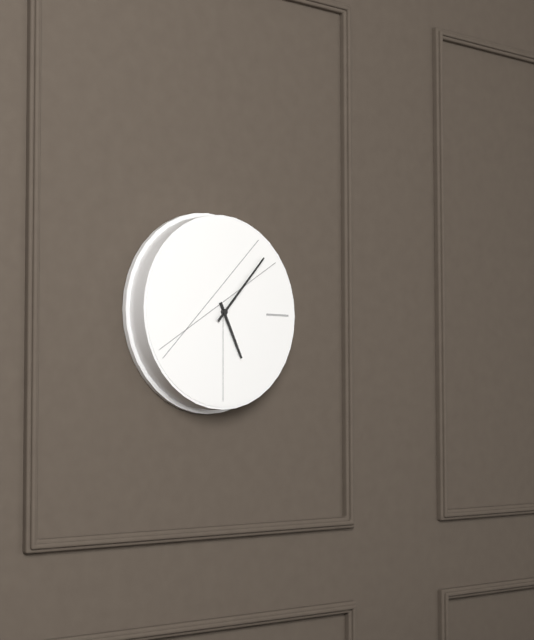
5:07
